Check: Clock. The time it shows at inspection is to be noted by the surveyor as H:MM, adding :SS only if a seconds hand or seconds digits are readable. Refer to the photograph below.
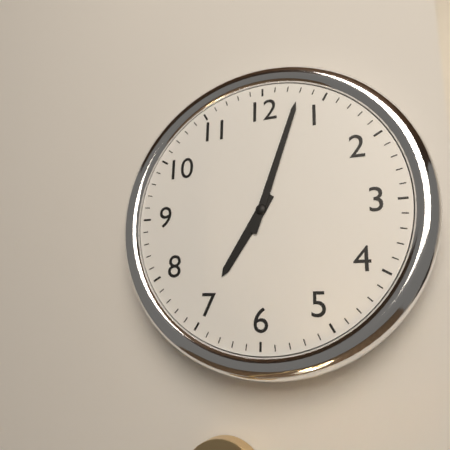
7:03
